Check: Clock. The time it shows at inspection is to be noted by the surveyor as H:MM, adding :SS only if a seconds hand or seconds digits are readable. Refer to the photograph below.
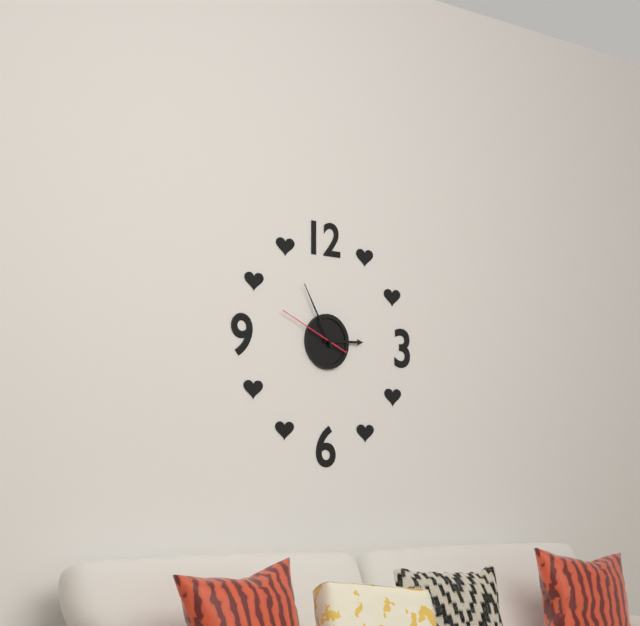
2:55:49
